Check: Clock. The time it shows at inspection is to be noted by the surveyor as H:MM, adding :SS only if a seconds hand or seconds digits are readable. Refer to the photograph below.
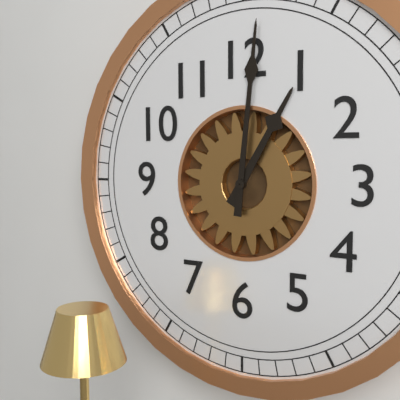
1:01
